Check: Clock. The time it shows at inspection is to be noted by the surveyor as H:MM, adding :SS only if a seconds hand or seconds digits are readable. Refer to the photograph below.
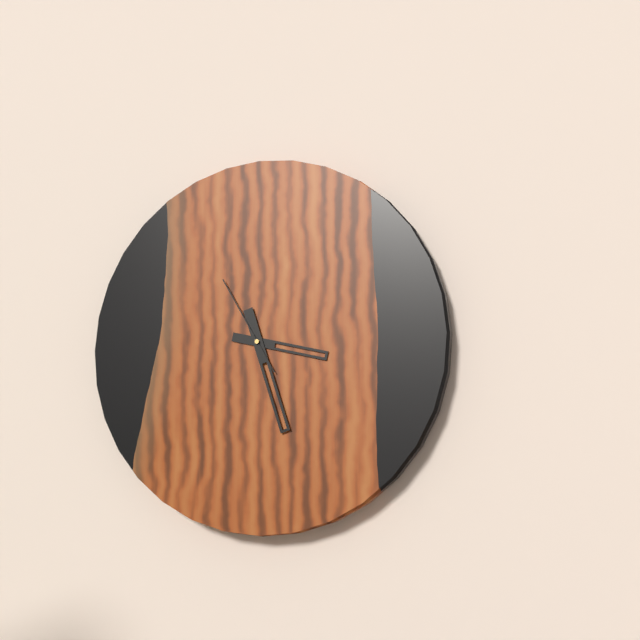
3:27:55
